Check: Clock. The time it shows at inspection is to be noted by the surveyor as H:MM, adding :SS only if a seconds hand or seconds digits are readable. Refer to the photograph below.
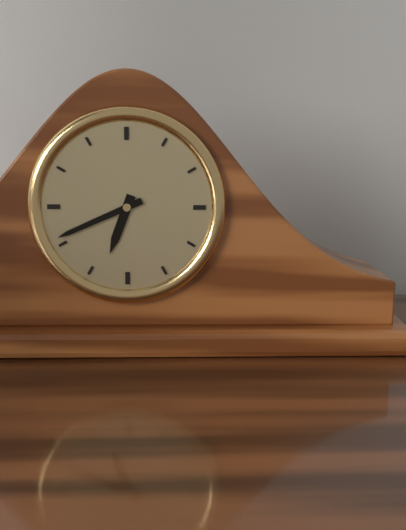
6:41
